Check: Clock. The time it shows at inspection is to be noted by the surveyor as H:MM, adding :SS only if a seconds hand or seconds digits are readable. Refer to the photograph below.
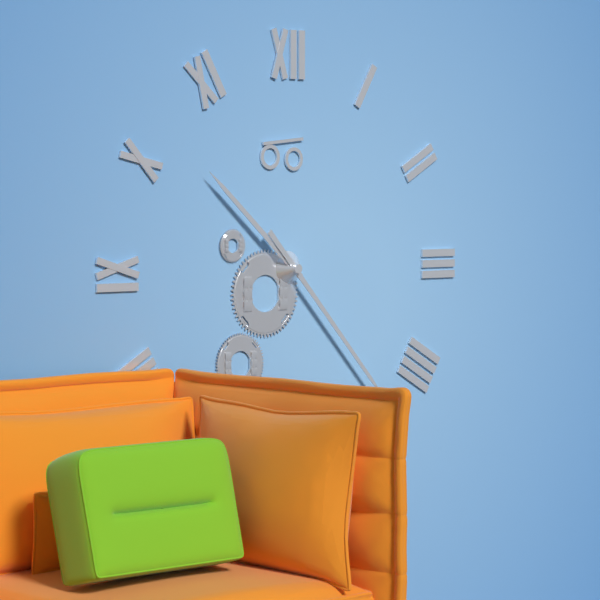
10:23
